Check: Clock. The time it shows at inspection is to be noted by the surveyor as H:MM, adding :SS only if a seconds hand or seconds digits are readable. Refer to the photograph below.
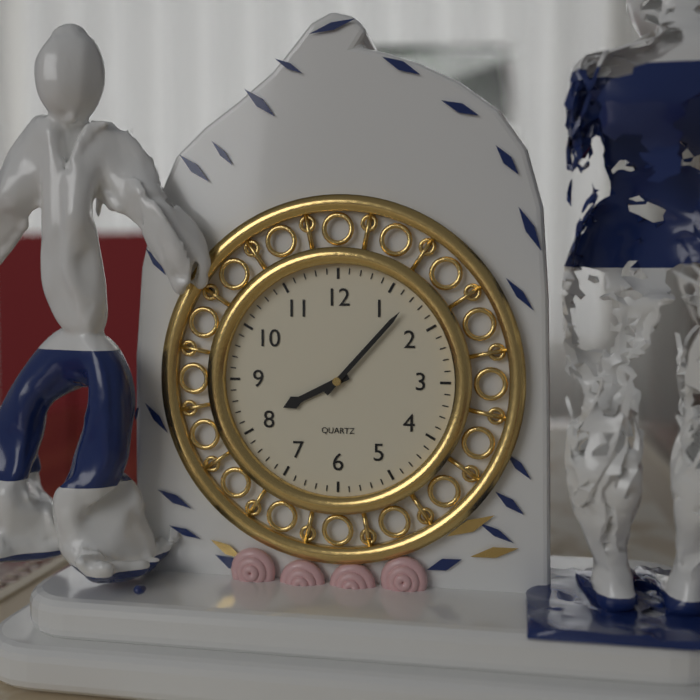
8:07
